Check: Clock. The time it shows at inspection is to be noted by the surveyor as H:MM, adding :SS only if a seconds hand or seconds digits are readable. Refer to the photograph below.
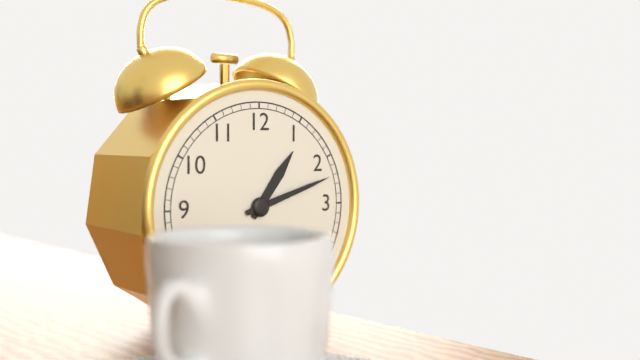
1:12
